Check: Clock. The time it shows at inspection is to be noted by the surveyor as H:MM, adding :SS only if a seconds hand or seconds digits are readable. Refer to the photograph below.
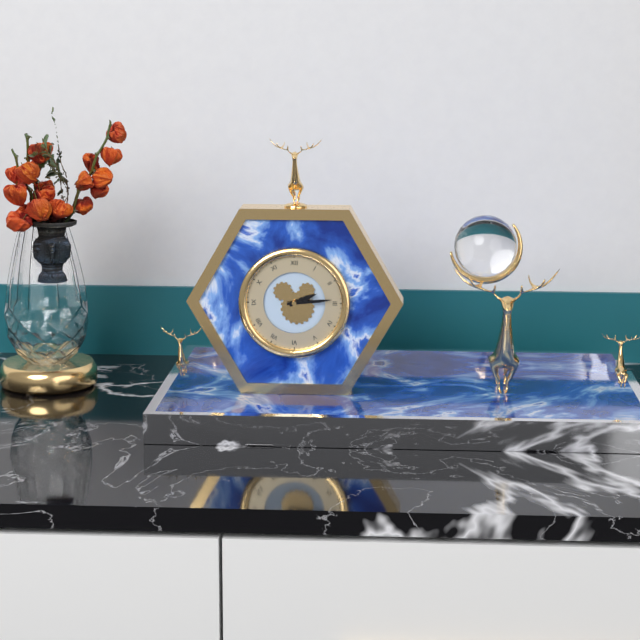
2:14
